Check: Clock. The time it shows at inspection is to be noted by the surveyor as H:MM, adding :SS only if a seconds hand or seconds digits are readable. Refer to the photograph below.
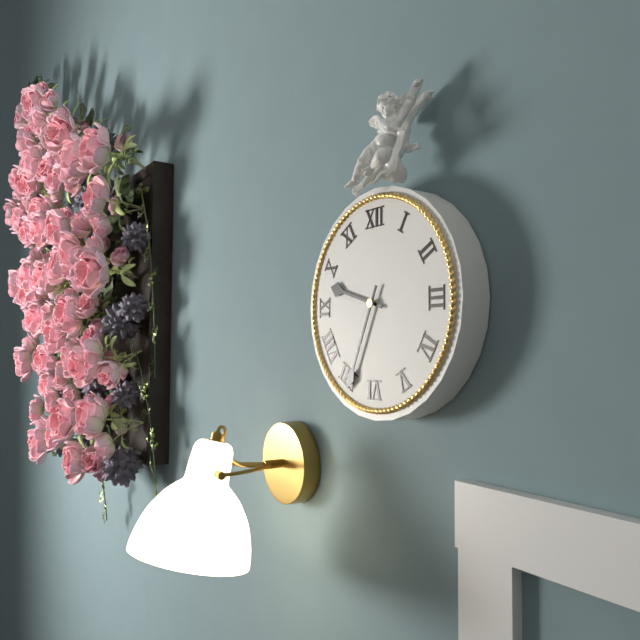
9:34
